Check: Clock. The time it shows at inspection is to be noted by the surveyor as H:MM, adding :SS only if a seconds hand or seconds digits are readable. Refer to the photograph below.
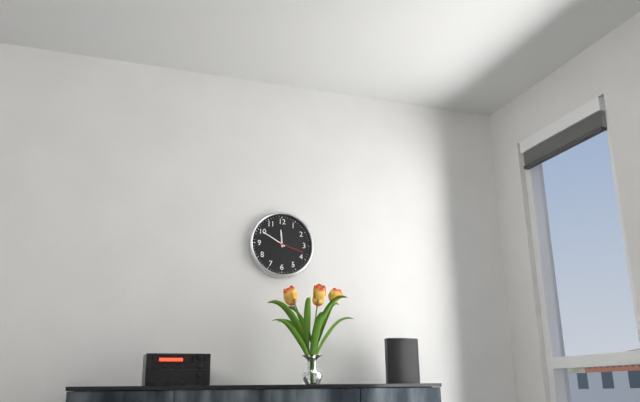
11:50
